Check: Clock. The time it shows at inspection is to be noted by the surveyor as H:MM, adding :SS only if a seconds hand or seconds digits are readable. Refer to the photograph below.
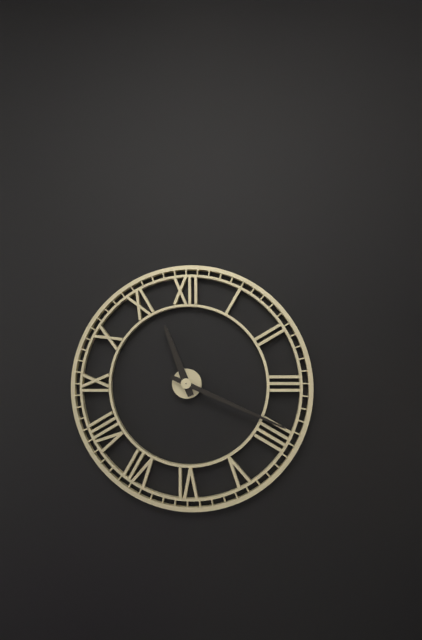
11:19
